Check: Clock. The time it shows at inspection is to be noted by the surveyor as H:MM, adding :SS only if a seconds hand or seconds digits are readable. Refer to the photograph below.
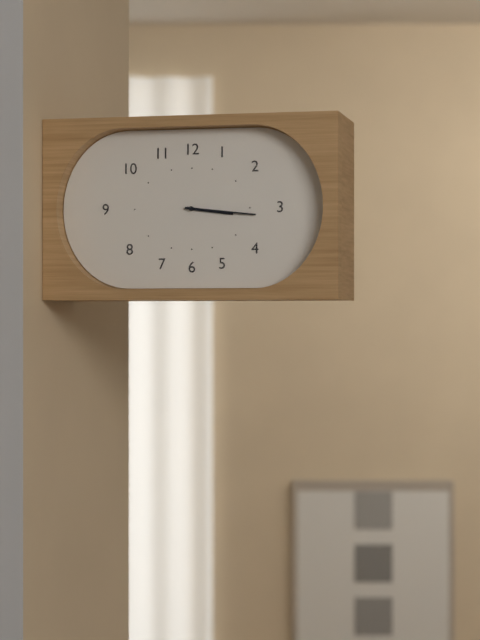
3:16
